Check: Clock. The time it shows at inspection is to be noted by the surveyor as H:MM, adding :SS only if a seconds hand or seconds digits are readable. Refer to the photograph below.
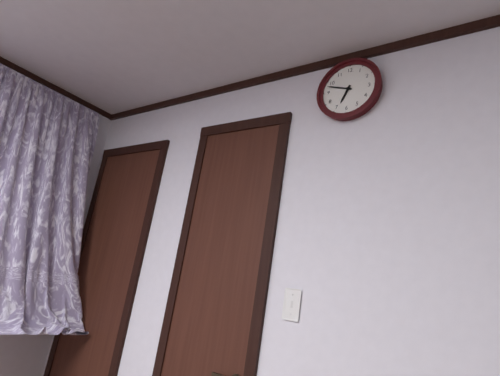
6:48
